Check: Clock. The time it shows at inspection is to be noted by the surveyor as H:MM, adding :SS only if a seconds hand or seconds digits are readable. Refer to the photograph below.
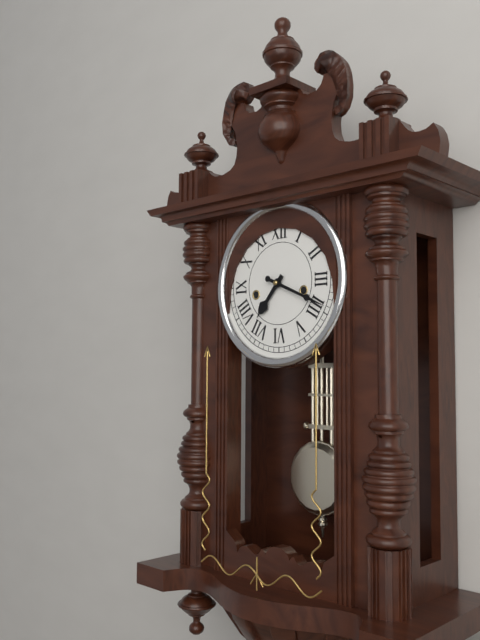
7:19
